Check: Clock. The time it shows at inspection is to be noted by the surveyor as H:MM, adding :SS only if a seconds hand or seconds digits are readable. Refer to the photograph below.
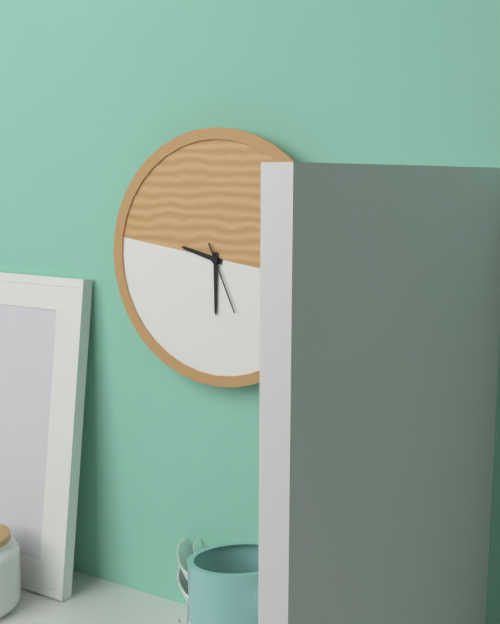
9:30:26
